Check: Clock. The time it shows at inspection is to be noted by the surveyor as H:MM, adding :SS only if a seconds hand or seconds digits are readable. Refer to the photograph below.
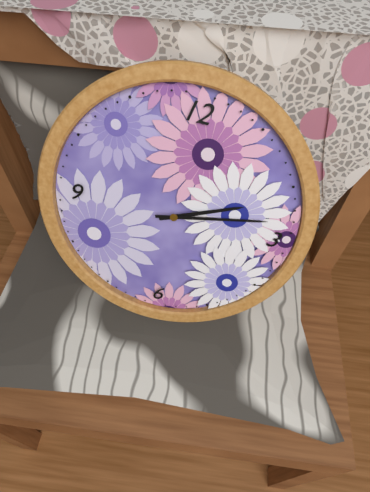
2:13
